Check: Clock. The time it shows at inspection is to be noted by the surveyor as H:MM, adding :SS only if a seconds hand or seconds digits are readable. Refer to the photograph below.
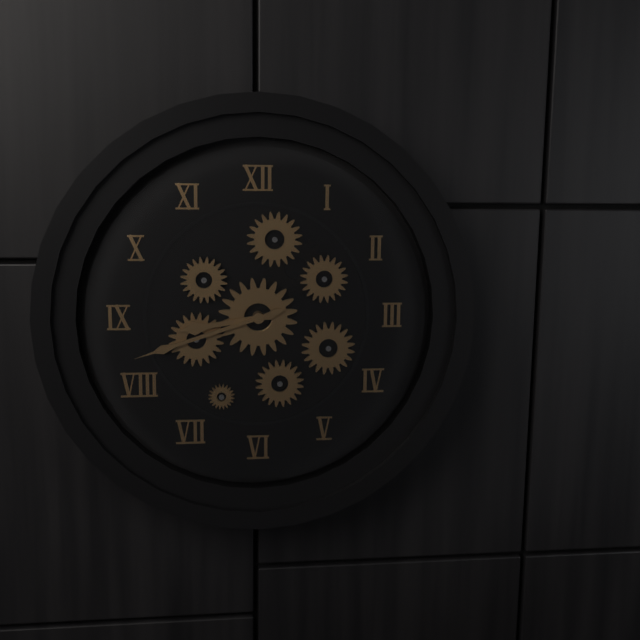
8:42
